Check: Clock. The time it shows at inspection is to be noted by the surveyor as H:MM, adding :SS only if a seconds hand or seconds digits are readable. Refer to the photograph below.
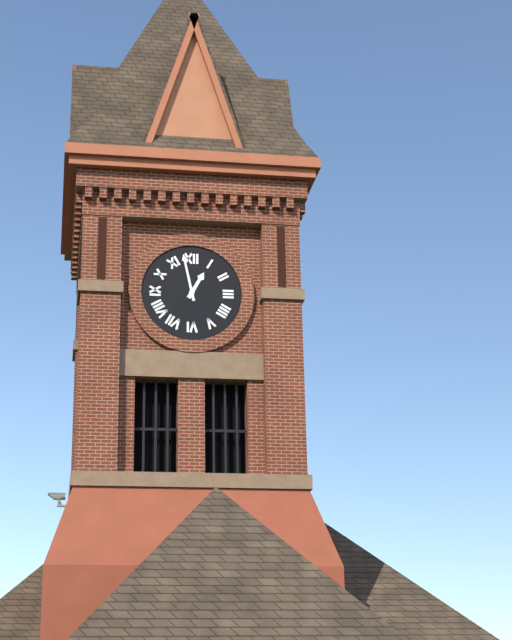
12:58
